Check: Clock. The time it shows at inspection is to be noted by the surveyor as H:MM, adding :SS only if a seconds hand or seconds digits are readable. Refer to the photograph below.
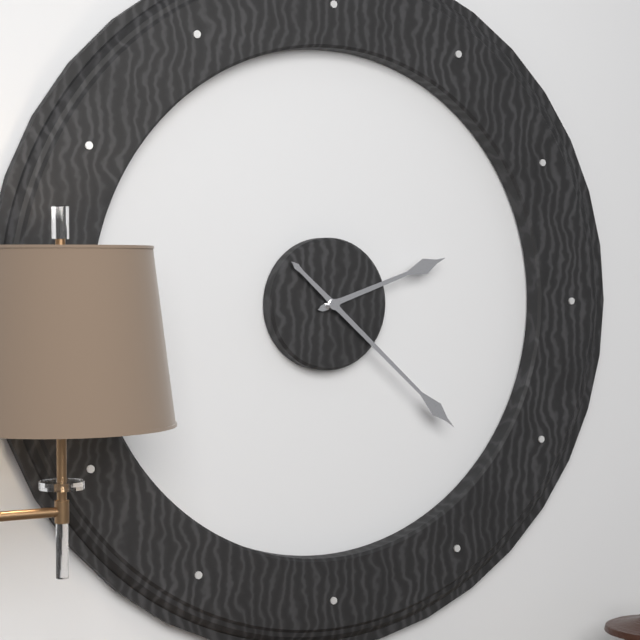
2:22
